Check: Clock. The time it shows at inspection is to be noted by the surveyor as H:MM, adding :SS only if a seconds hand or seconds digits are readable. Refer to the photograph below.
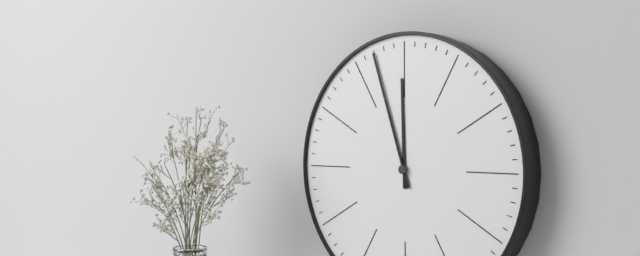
11:57
